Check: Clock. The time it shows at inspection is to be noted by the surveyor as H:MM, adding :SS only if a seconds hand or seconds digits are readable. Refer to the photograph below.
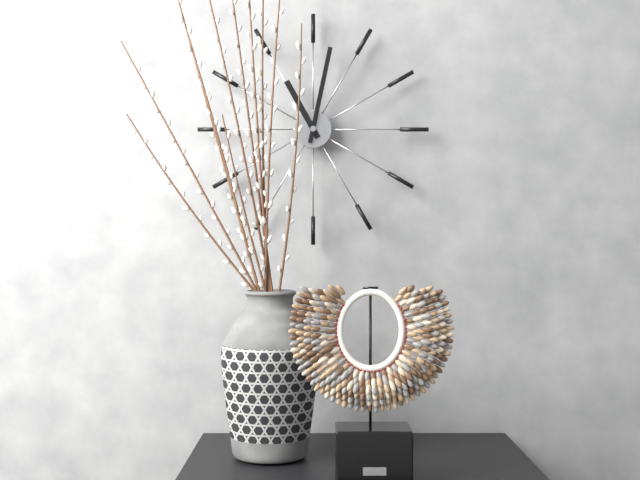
11:02
